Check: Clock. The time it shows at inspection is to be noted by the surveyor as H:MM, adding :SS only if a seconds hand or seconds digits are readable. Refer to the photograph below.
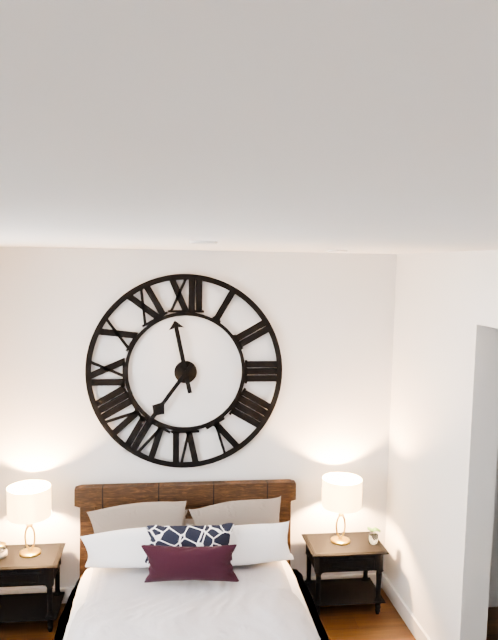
11:36
